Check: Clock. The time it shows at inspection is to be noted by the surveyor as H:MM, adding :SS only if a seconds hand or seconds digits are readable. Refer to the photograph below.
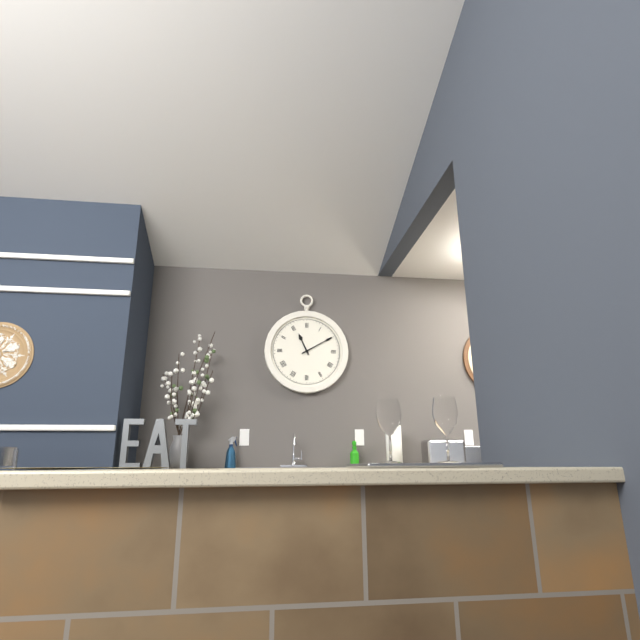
11:10
